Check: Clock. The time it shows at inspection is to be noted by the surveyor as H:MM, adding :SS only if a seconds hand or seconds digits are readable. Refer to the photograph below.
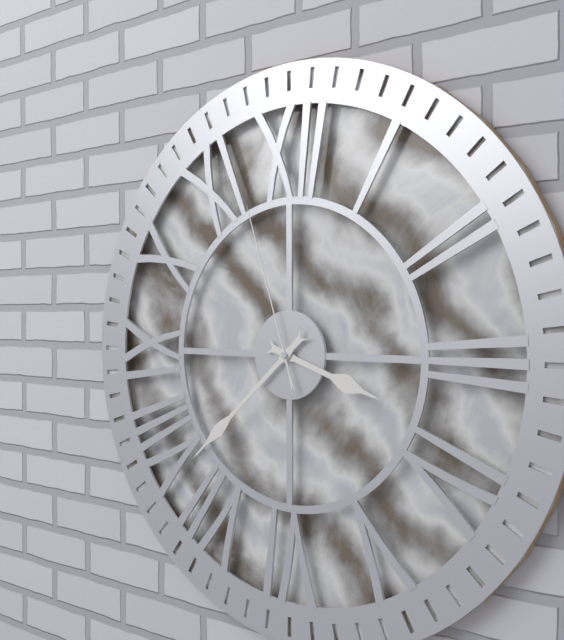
3:38:57
